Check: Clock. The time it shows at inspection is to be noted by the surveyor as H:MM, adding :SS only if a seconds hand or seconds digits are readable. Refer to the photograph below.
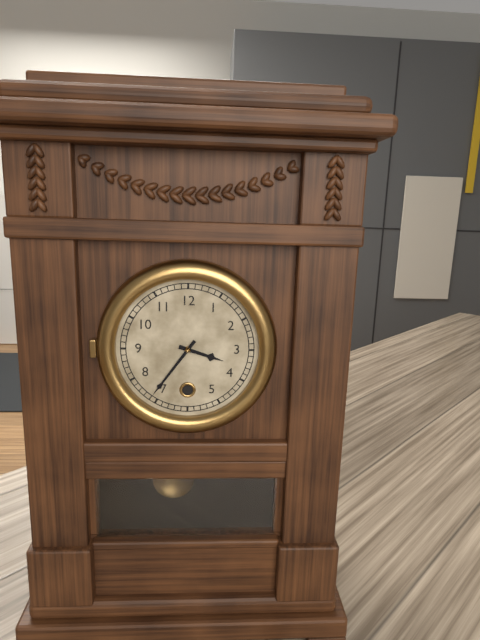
3:36
